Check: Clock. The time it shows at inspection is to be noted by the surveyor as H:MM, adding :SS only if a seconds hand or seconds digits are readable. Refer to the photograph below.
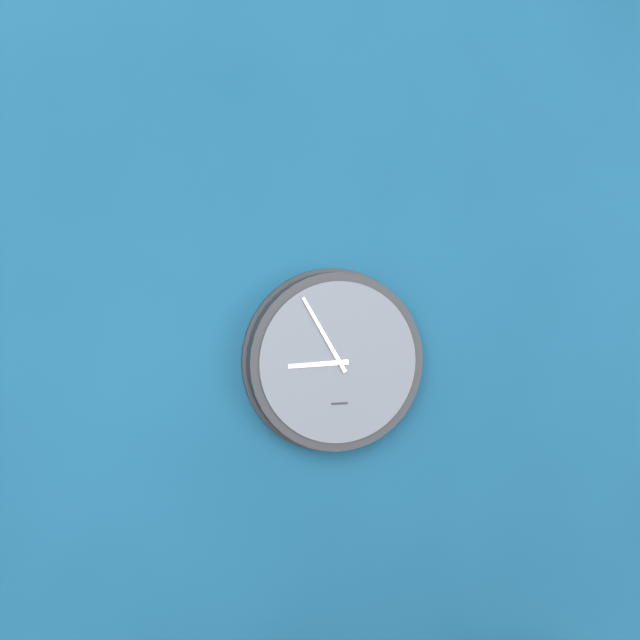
8:55
